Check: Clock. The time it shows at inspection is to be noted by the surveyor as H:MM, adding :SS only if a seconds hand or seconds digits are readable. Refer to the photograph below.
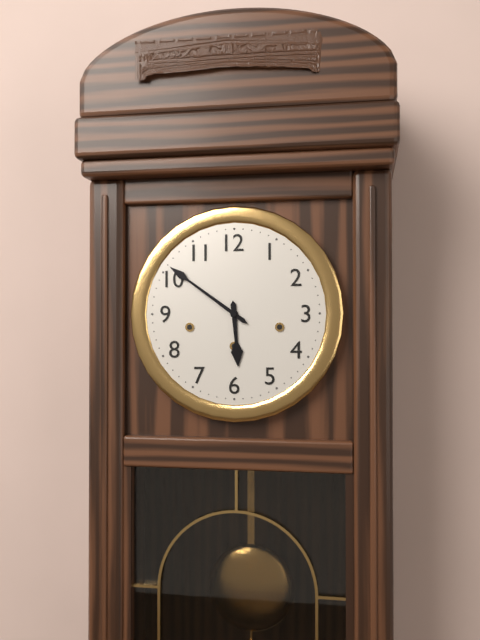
5:51
